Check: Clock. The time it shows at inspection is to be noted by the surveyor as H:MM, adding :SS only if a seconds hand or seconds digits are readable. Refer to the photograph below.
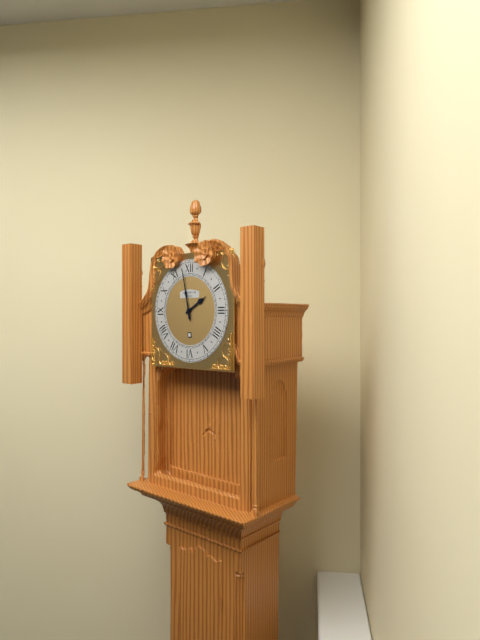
1:58
